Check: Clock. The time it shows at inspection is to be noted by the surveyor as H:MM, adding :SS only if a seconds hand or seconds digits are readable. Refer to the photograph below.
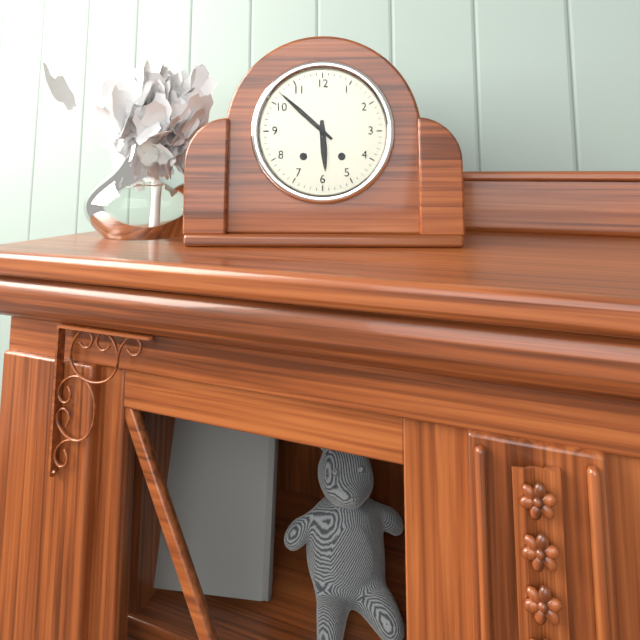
5:52
